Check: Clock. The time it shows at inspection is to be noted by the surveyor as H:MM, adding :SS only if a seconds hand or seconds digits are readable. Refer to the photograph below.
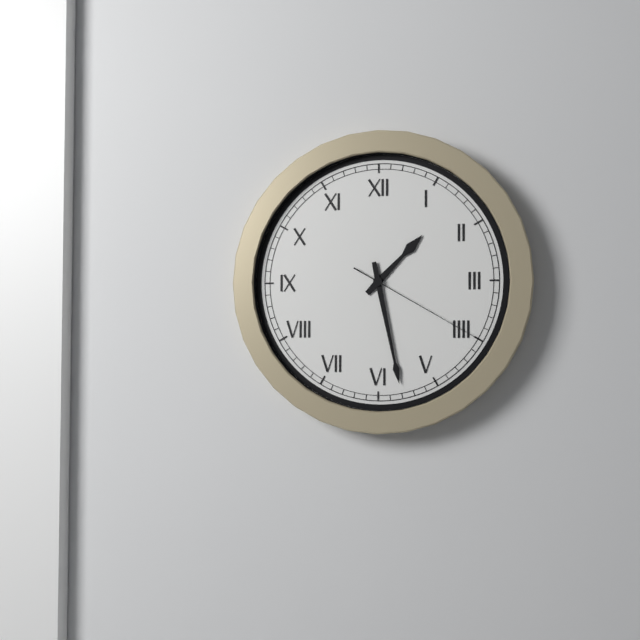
1:28:20
